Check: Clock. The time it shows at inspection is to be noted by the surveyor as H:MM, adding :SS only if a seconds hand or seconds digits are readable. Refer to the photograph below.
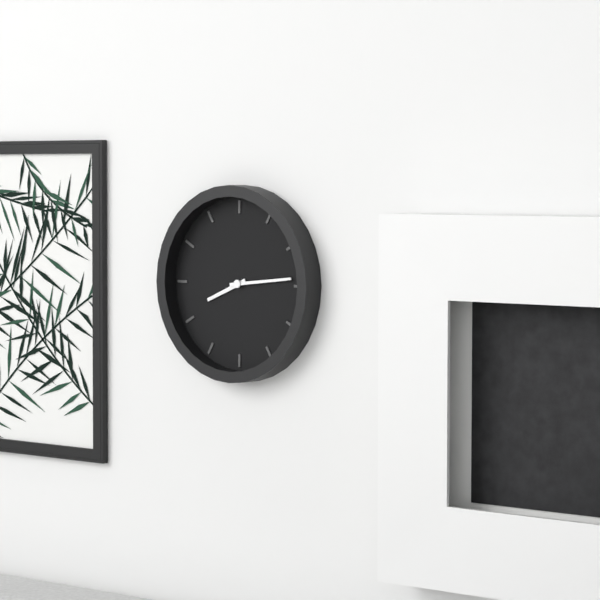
8:14
